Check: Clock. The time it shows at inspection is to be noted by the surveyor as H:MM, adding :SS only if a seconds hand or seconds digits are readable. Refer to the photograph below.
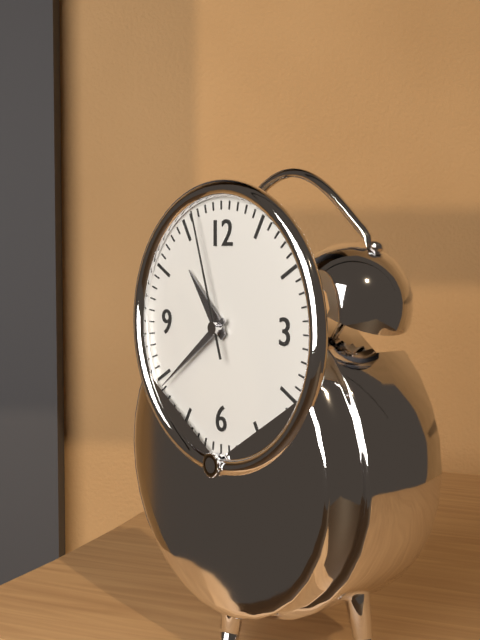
10:39:57
